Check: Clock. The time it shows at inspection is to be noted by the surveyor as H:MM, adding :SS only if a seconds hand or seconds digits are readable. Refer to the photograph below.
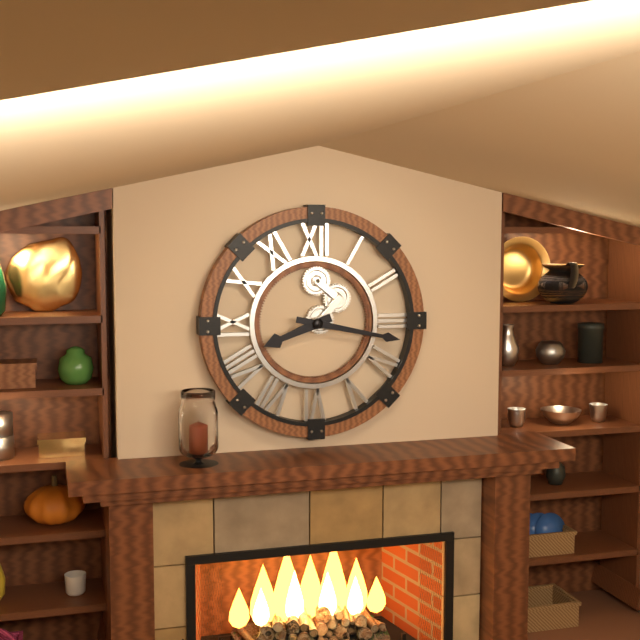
8:17
